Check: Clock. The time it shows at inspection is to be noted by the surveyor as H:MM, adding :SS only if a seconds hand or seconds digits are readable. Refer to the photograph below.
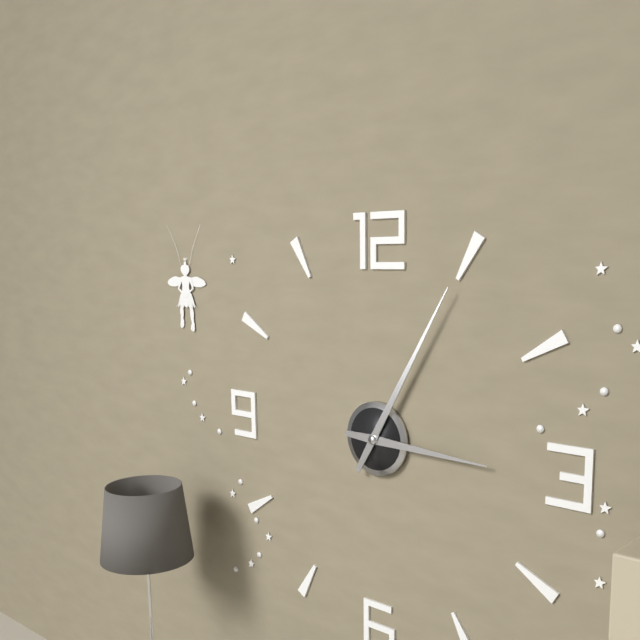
3:05
